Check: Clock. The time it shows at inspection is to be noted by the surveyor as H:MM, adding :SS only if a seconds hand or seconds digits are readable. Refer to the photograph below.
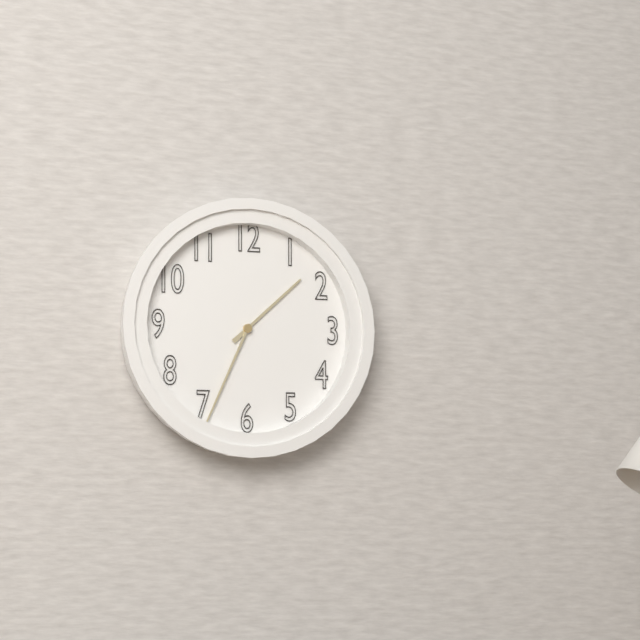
1:34
